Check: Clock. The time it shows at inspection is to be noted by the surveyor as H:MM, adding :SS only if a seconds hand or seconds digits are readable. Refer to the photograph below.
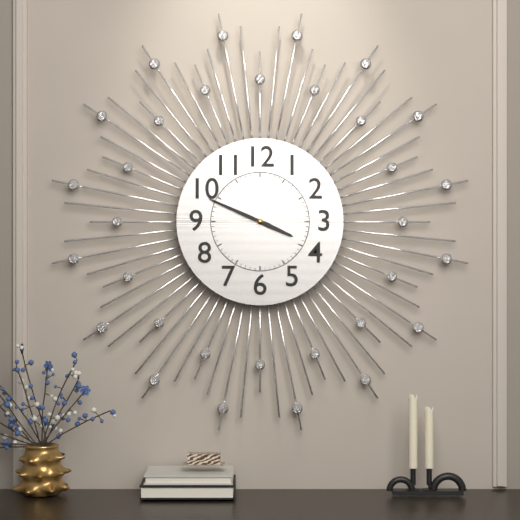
3:49
